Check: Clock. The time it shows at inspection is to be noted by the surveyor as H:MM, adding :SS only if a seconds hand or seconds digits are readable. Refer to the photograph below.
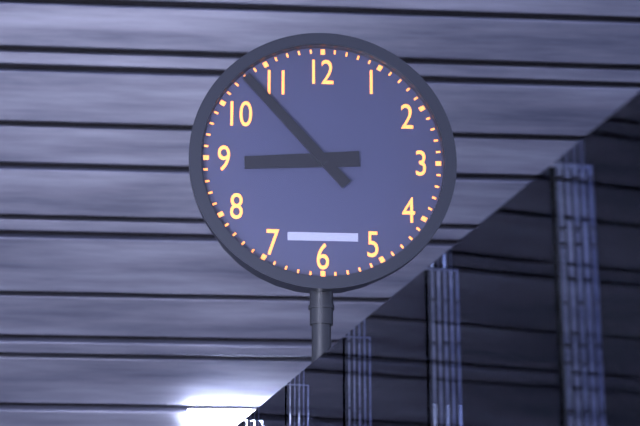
8:53
